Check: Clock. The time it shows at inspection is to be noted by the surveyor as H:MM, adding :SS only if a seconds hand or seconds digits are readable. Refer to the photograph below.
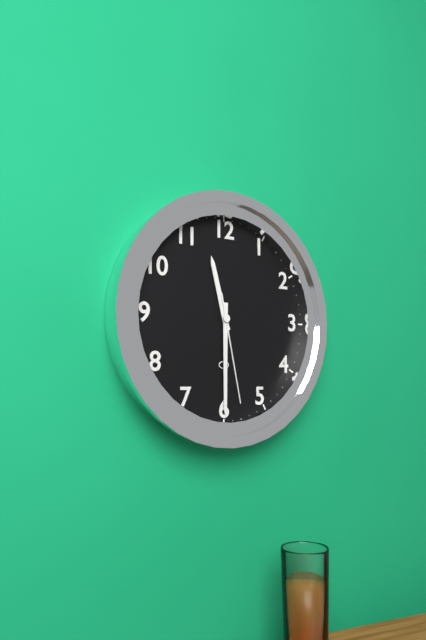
11:30:28
